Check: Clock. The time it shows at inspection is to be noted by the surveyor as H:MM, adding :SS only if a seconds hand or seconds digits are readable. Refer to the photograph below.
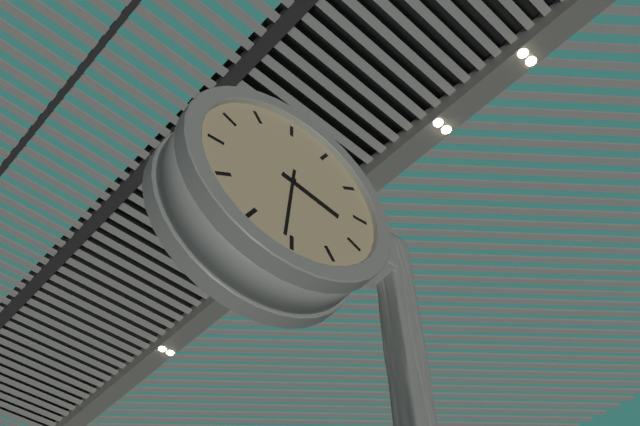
3:31
